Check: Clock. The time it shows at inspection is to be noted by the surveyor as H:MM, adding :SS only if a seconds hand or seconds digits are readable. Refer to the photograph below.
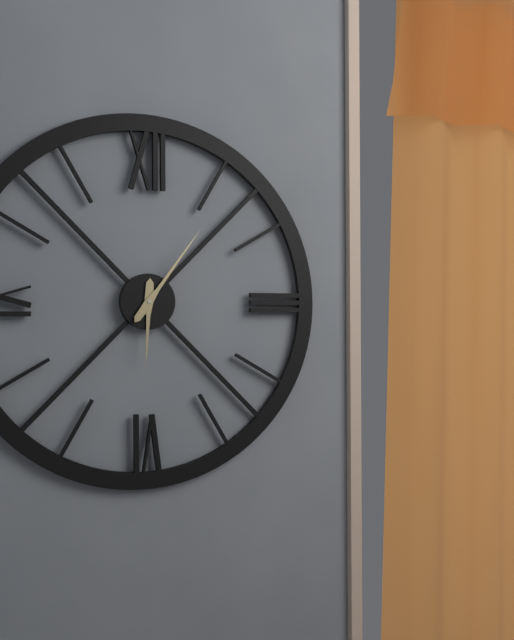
6:06
